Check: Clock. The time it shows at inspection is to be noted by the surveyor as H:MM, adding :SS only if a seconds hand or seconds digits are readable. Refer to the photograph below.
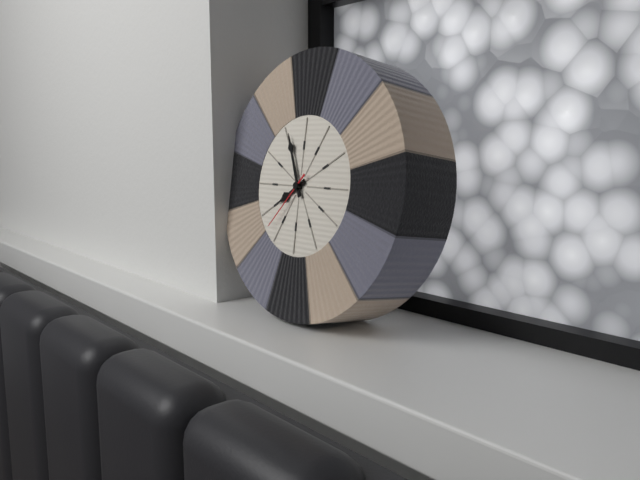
7:56:37
